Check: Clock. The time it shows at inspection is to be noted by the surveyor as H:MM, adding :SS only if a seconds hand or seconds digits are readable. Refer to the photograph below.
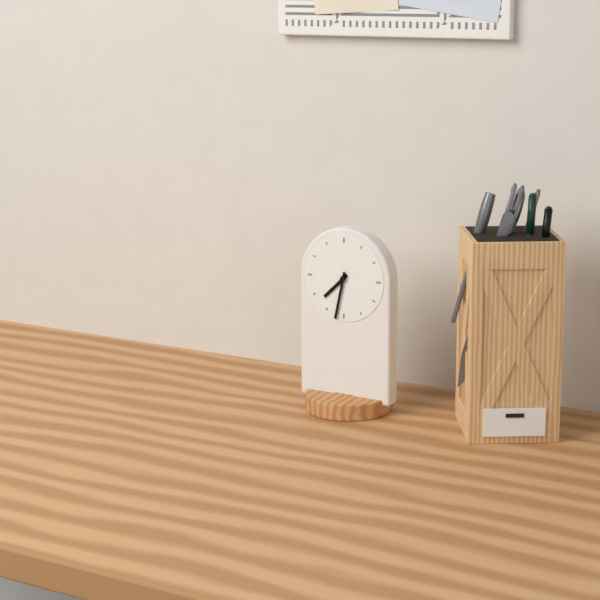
7:32
